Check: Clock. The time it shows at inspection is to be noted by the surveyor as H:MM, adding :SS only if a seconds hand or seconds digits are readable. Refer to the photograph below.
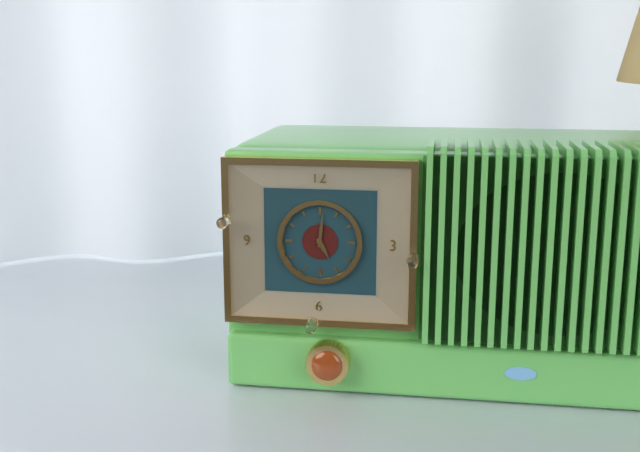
5:01
